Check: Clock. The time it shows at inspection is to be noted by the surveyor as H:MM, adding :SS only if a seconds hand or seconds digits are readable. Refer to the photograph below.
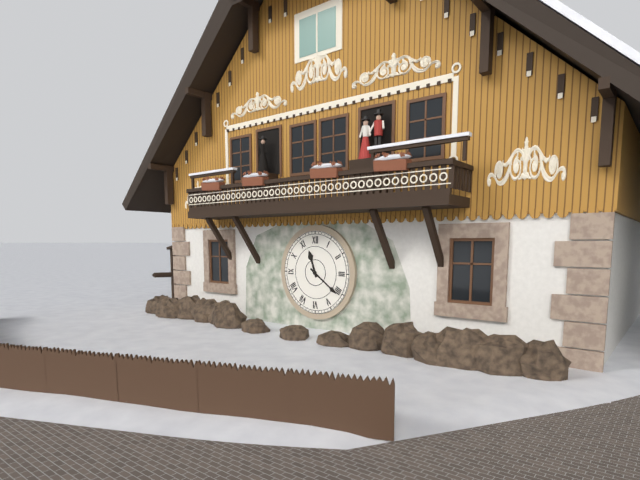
11:21
